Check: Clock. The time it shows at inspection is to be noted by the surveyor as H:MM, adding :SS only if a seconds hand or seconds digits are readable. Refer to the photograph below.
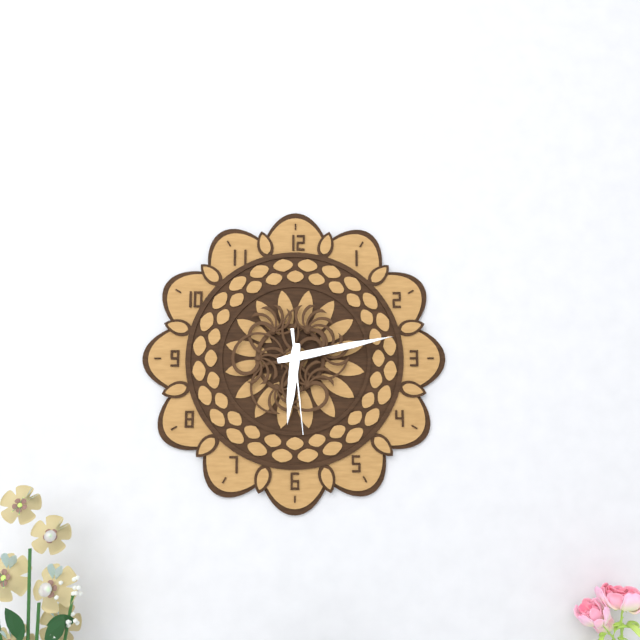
6:13:29
